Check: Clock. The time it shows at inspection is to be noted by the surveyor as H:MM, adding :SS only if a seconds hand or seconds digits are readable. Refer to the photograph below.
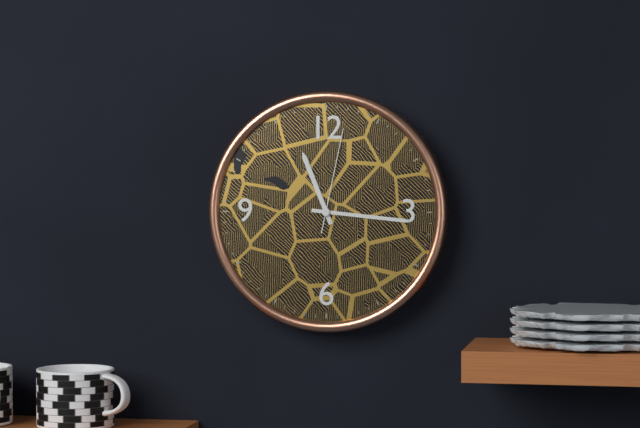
11:16:02
